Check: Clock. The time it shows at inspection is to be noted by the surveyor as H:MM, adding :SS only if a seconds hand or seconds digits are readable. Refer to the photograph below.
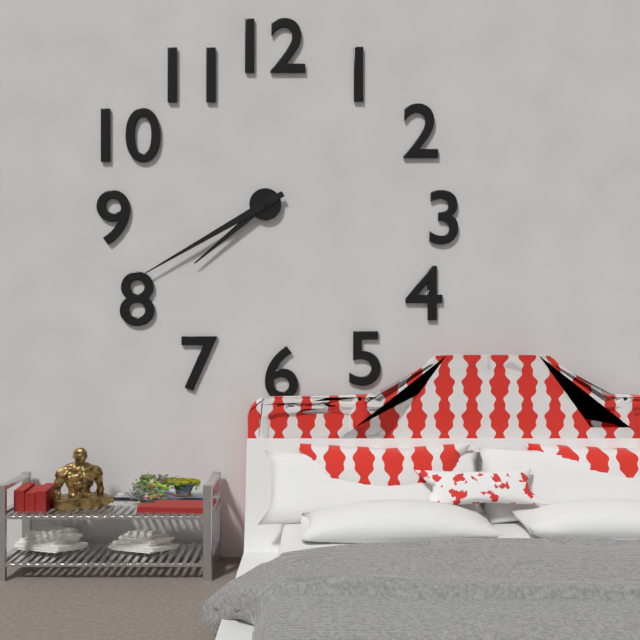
7:40
